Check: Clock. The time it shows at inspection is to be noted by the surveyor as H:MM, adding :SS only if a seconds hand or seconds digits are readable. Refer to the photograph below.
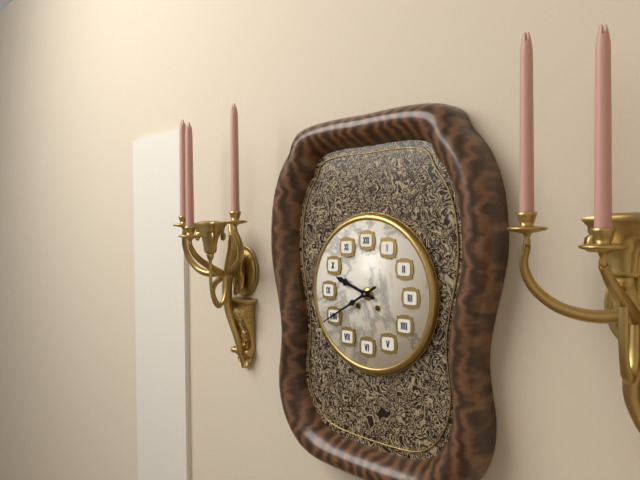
9:40
